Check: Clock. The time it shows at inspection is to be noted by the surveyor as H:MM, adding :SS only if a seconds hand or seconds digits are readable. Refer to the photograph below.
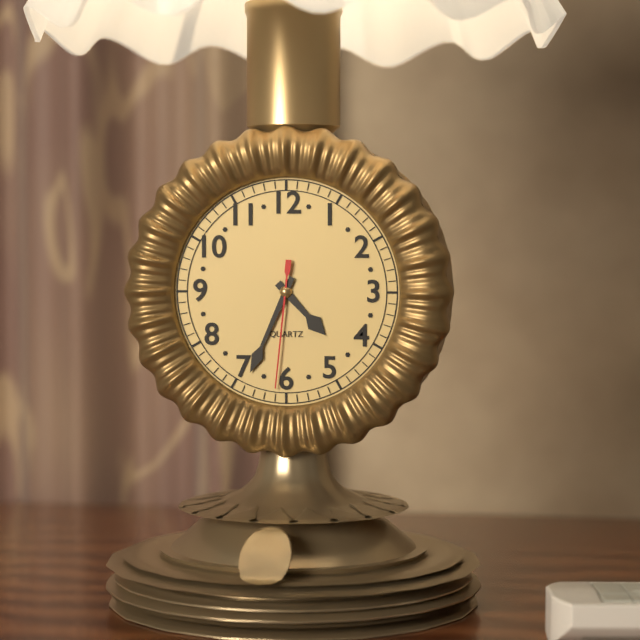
4:34:31
